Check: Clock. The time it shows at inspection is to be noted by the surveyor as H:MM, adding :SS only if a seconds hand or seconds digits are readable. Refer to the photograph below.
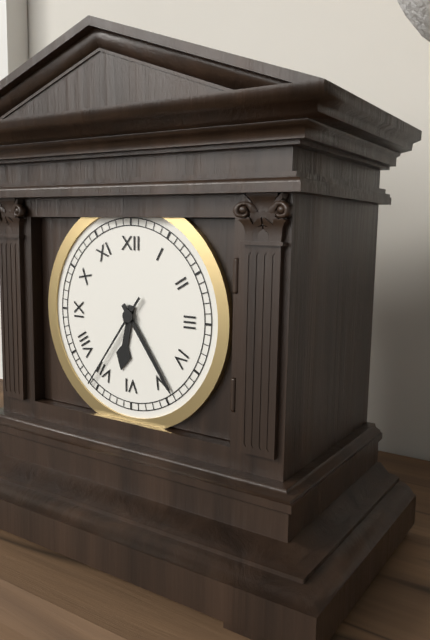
6:24:36
